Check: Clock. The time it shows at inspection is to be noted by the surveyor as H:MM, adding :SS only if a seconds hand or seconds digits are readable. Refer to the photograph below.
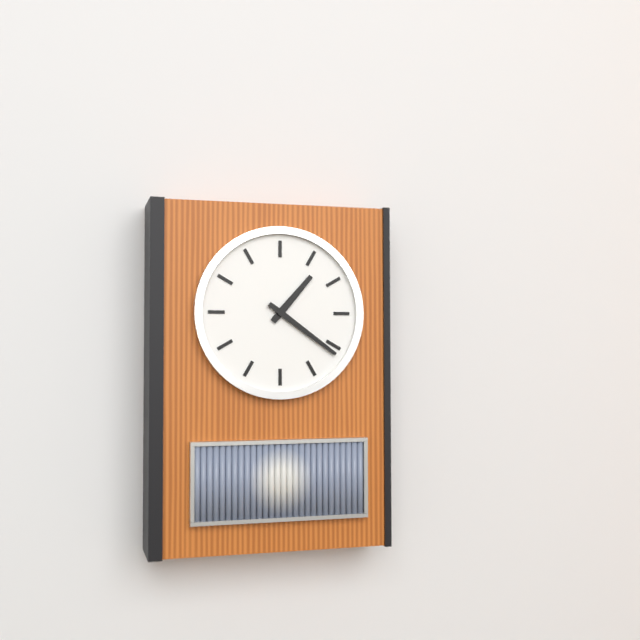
1:21
